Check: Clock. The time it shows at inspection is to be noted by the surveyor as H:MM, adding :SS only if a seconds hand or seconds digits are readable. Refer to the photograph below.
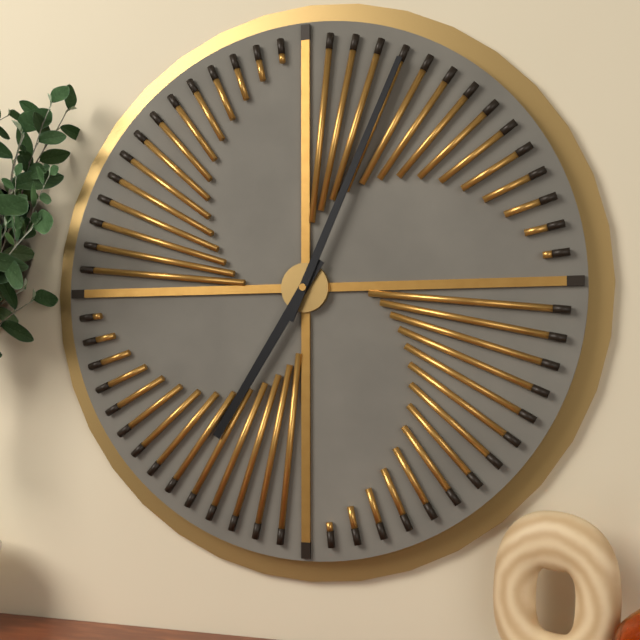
7:04
